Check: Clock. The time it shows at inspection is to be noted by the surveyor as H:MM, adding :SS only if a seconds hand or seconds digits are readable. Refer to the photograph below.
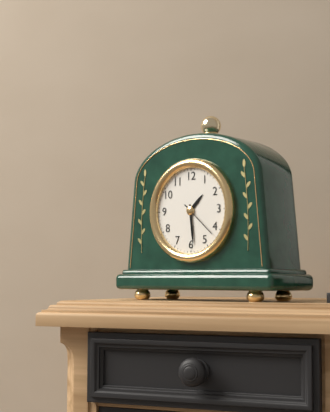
1:29
